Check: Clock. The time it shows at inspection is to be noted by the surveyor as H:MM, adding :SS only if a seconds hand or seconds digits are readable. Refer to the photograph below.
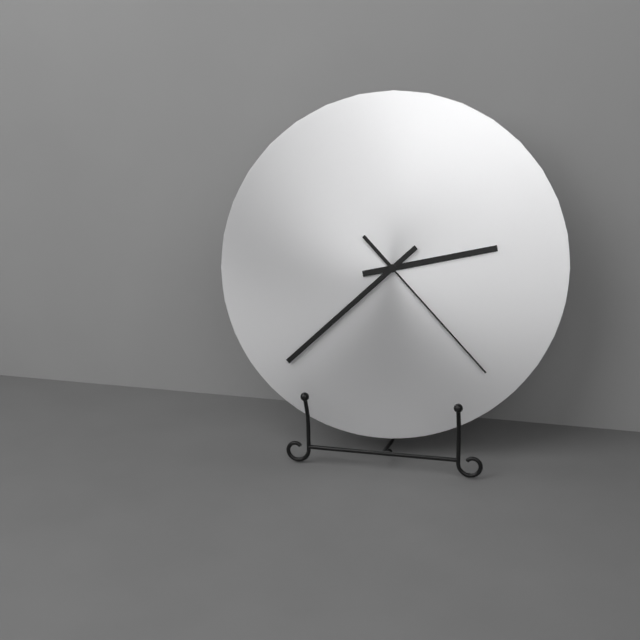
2:38:23
